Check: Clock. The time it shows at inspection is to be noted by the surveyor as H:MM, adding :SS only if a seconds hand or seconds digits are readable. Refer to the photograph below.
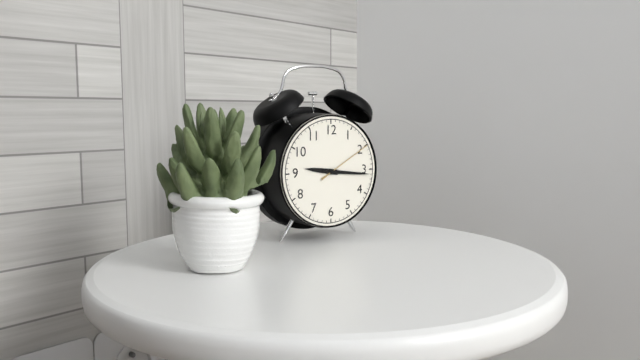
9:16:10
